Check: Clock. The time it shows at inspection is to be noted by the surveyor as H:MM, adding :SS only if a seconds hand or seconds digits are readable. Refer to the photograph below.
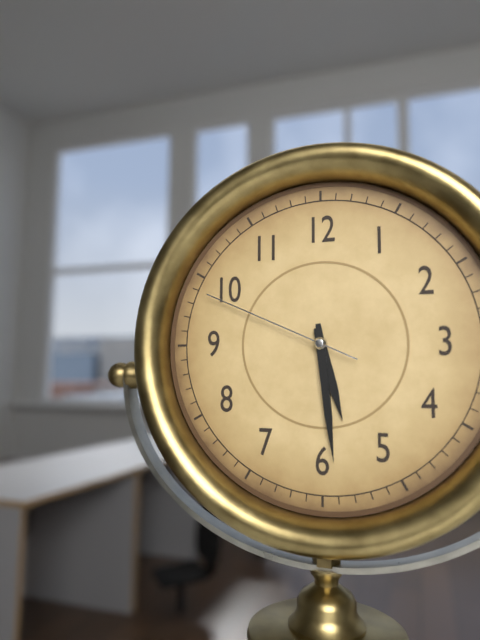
5:29:49
